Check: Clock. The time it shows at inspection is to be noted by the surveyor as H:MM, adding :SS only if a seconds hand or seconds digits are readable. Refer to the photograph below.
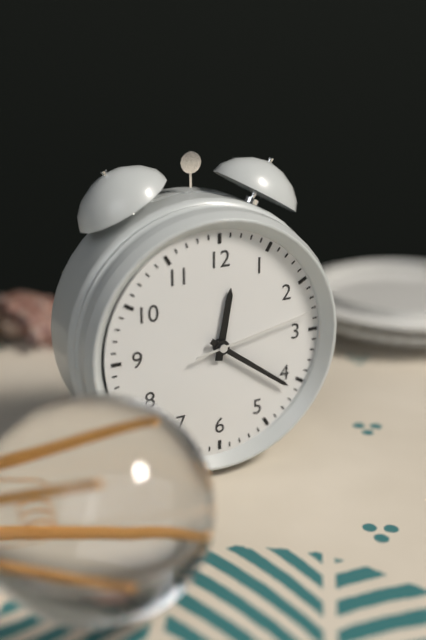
12:21:13
